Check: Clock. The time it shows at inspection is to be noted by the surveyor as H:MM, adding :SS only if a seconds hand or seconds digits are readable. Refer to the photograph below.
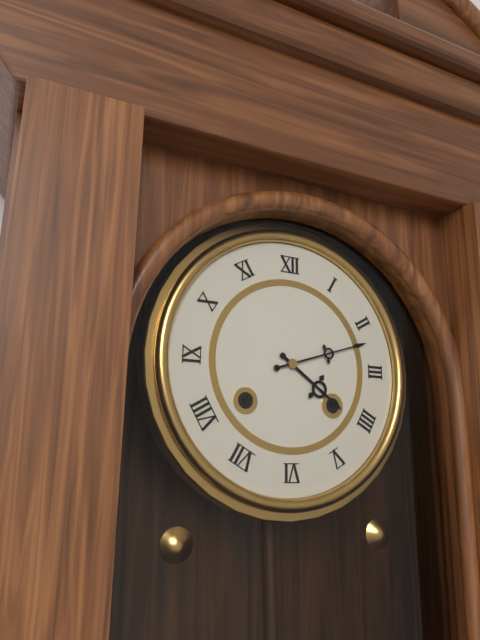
4:12
